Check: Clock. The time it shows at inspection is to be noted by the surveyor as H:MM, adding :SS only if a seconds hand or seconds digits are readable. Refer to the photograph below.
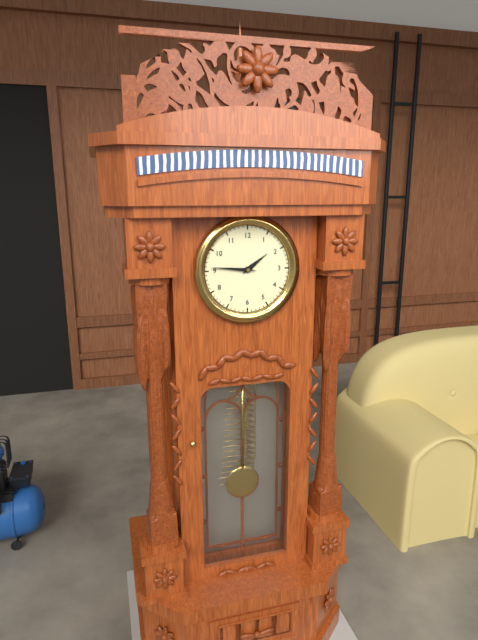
1:46
